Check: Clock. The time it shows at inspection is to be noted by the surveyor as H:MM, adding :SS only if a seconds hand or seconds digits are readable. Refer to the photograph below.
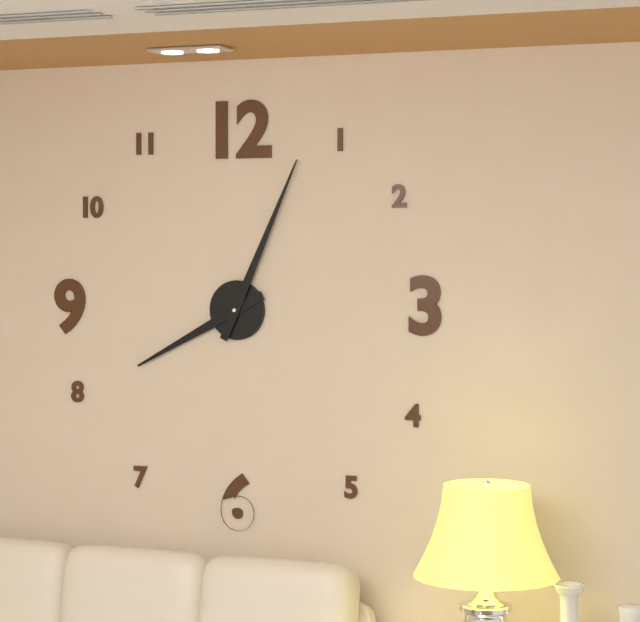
8:04
